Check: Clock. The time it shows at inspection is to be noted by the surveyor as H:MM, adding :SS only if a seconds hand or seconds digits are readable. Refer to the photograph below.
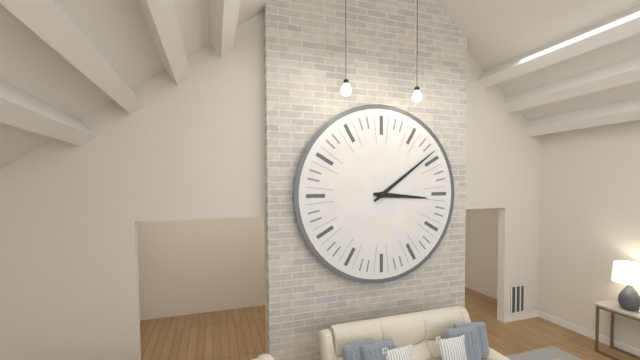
3:09
